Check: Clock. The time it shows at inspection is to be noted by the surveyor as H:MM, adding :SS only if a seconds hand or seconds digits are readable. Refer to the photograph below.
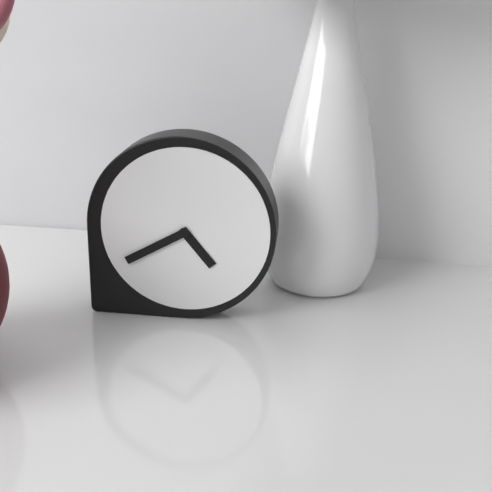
4:40
